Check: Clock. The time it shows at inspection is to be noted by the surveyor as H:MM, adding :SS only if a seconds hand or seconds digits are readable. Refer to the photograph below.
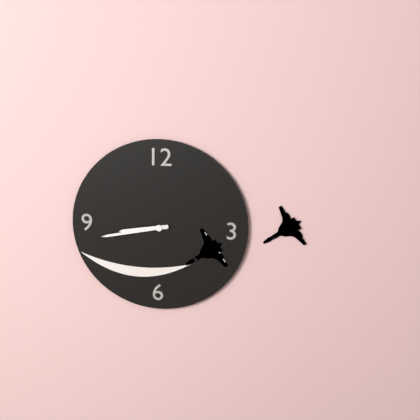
8:43
